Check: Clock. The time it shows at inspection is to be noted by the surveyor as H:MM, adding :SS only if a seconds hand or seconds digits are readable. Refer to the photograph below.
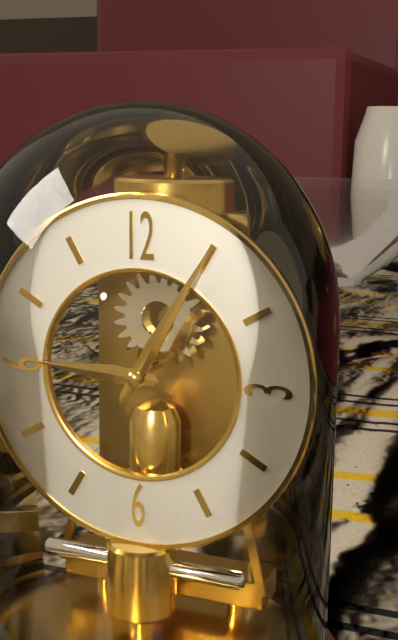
9:05
